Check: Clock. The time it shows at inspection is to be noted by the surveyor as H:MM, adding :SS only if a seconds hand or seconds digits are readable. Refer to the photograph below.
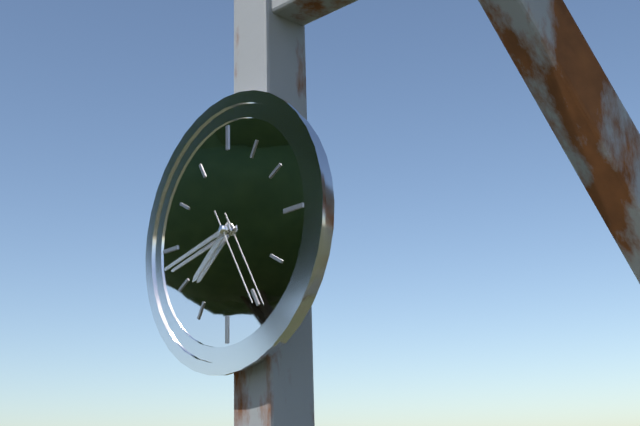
7:43:25
